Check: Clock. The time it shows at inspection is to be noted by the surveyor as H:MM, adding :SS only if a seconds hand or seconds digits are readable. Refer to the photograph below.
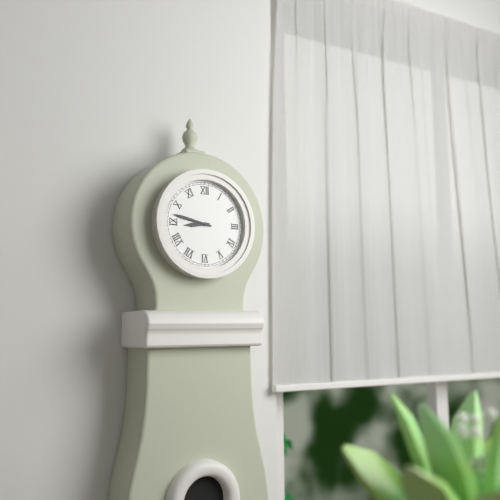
8:47
